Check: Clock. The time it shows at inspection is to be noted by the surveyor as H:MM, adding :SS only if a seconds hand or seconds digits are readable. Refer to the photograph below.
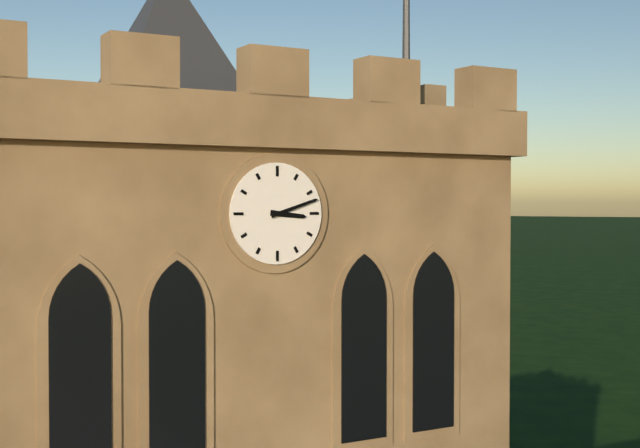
3:12
